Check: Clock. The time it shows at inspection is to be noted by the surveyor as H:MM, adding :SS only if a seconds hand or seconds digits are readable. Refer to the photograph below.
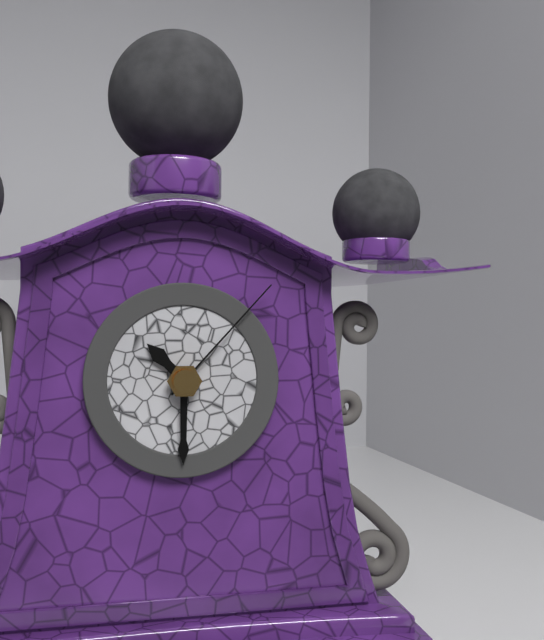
10:30:07
